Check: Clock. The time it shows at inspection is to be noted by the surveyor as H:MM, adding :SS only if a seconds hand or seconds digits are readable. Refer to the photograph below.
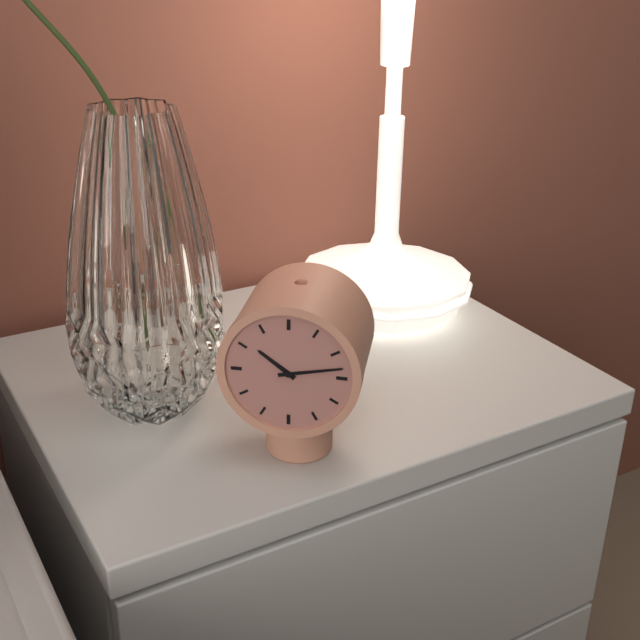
10:13
